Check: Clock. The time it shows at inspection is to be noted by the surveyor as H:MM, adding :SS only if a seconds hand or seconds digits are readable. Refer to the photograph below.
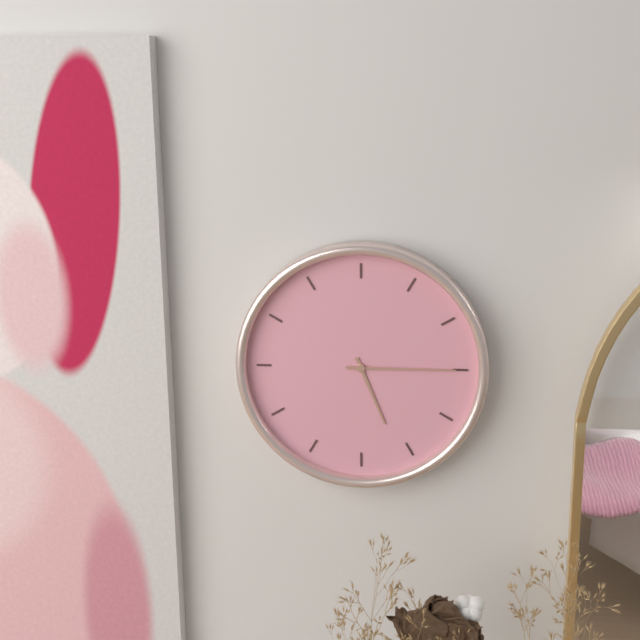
5:15
